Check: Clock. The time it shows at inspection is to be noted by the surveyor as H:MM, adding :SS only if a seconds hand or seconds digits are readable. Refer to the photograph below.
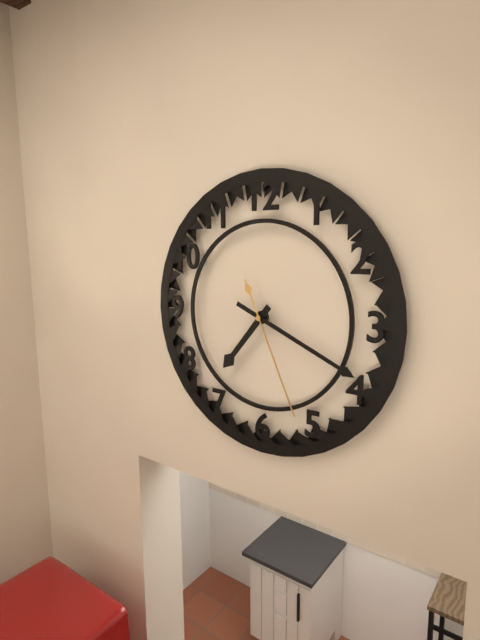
7:19:26
